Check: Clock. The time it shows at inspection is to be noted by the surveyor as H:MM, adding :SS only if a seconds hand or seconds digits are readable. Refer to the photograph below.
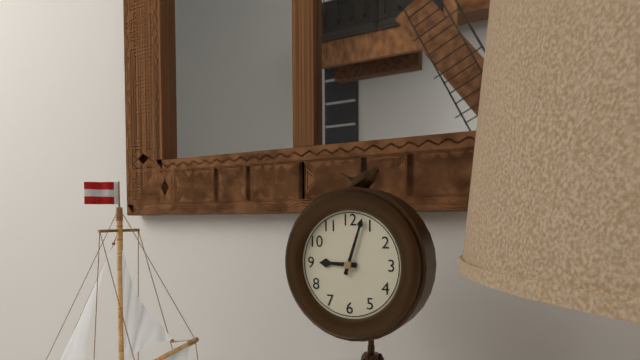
9:03
